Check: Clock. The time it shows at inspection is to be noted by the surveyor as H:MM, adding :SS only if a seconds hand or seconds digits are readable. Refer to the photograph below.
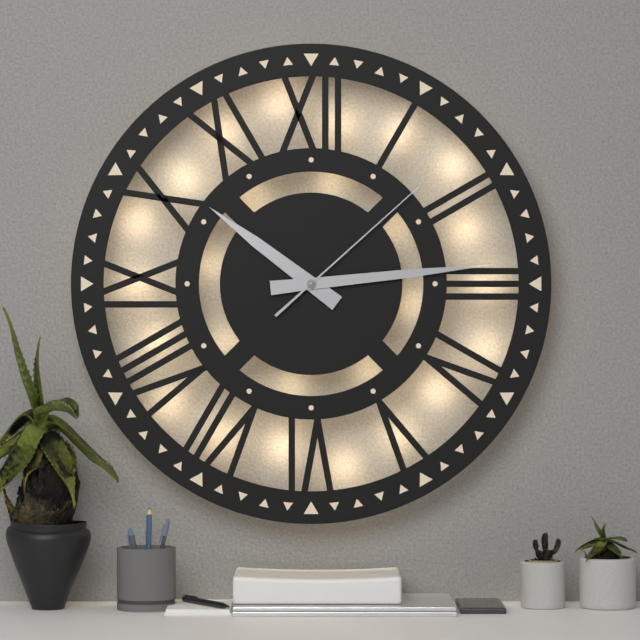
10:14:08
